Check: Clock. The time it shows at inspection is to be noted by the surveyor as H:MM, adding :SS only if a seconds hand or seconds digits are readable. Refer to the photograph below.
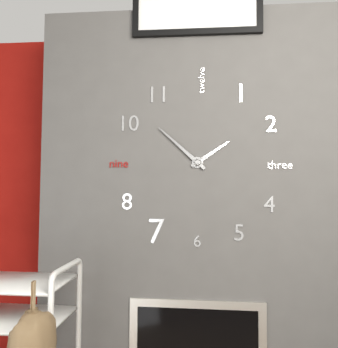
1:52
